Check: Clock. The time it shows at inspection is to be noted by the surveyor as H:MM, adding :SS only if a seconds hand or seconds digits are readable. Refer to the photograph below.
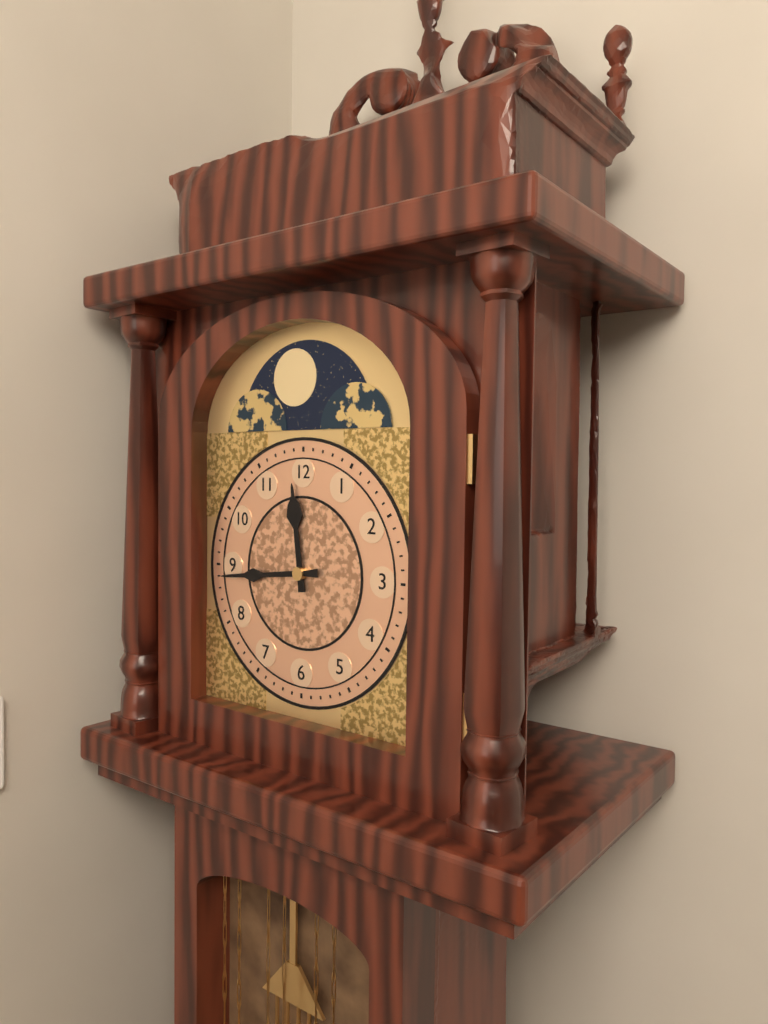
11:44
